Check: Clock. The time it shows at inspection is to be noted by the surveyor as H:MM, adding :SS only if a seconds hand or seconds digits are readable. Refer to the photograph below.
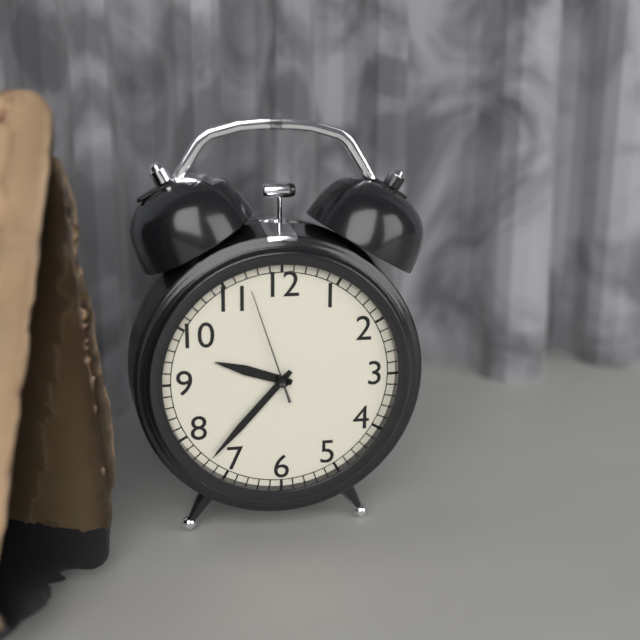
9:37:57
